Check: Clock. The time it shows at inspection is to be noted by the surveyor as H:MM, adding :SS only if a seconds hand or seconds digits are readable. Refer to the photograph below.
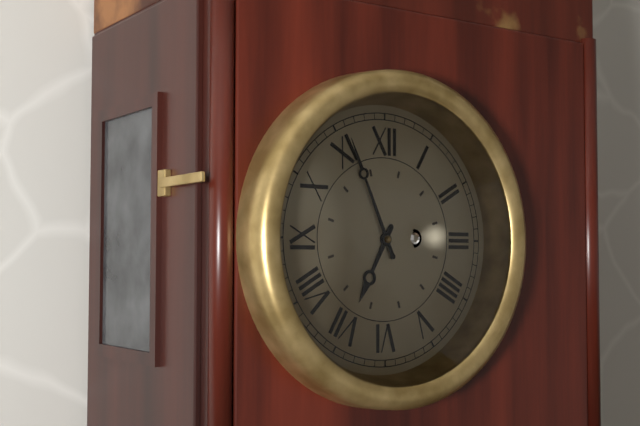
6:56
